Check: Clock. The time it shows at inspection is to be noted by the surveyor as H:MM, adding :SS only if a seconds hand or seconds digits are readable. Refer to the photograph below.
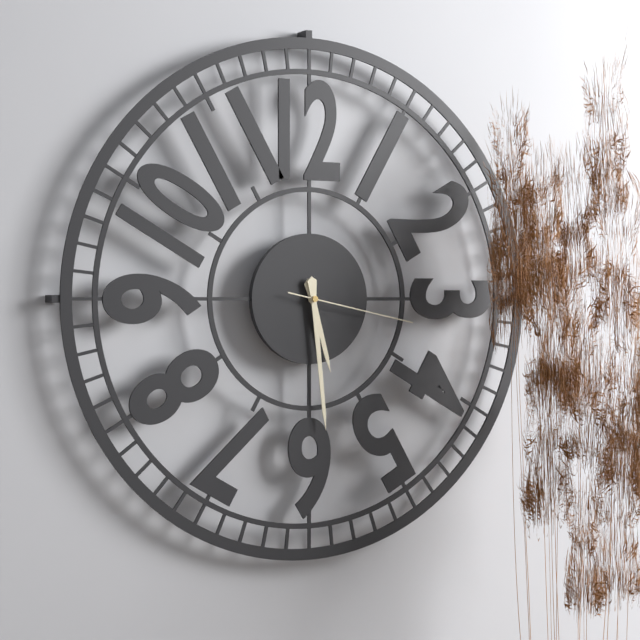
5:29:17
